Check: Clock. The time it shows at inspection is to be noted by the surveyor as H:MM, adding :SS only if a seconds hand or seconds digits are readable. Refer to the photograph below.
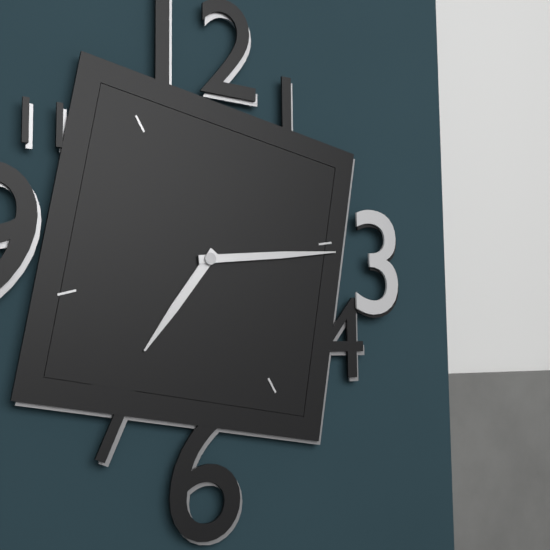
7:14
